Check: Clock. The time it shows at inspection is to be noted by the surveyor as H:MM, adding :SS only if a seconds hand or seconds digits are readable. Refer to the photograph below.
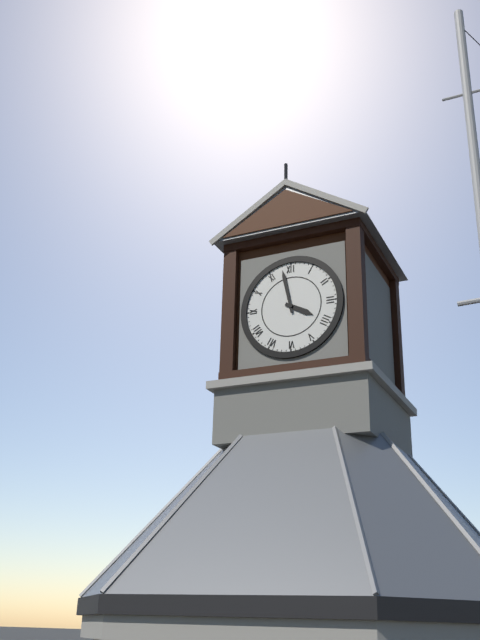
3:58
